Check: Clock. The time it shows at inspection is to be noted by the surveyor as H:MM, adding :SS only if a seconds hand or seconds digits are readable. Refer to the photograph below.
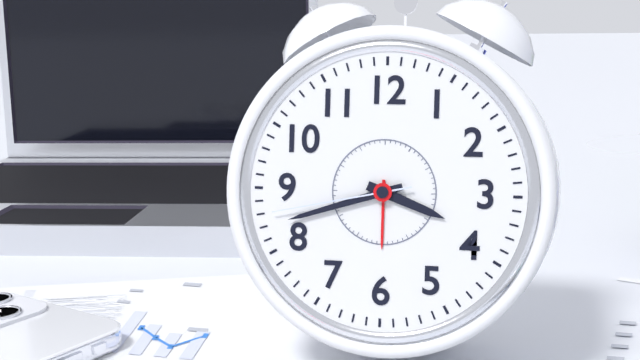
3:42:43
